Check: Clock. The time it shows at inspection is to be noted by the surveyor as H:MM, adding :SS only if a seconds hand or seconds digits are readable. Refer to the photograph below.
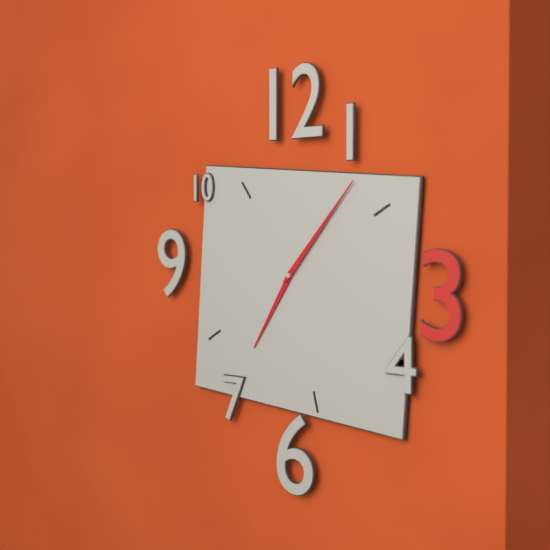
7:07
